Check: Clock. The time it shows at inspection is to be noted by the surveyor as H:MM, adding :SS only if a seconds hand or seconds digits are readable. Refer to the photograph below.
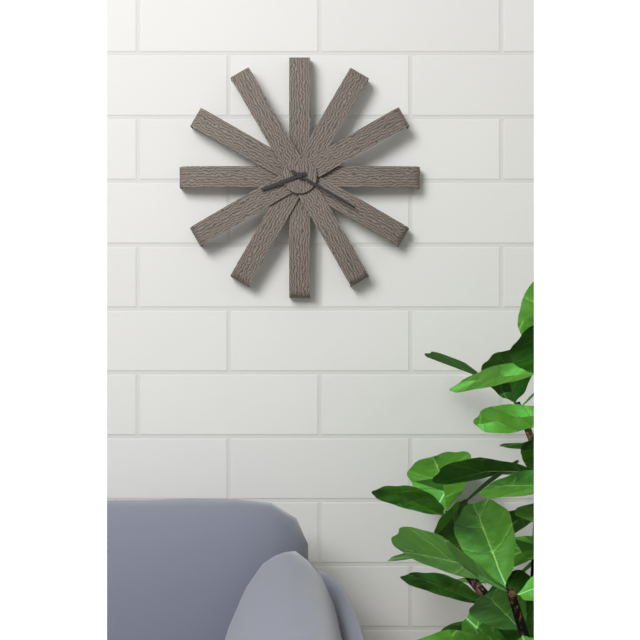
8:20
